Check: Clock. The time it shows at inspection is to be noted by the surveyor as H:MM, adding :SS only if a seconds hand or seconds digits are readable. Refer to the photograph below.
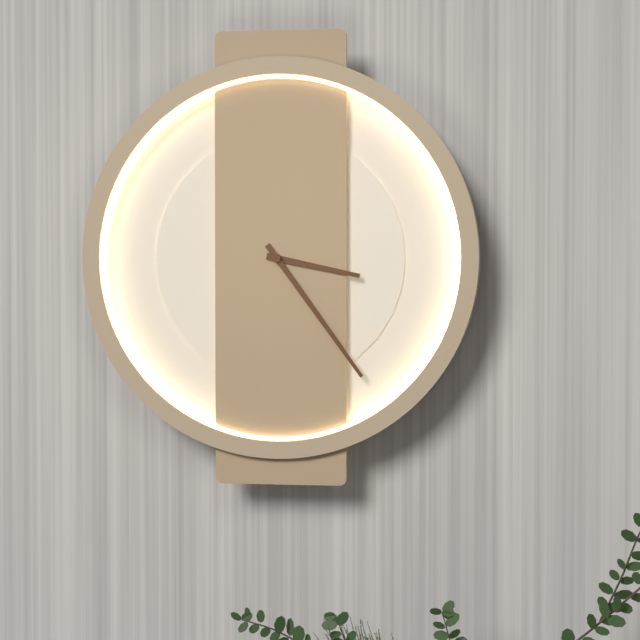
3:24
